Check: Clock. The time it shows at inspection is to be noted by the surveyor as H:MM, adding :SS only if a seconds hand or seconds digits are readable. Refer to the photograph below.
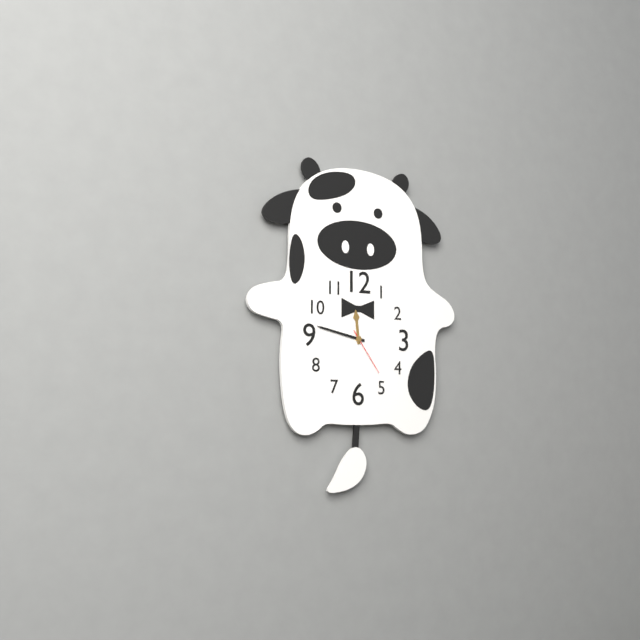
11:47:24
